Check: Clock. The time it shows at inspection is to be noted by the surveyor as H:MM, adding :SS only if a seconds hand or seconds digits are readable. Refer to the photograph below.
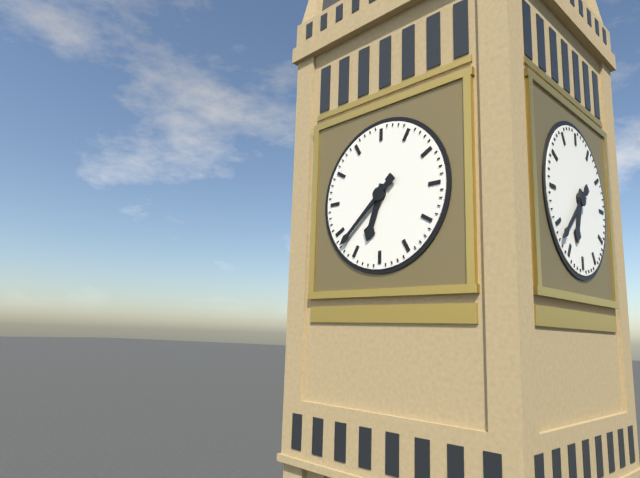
6:38
